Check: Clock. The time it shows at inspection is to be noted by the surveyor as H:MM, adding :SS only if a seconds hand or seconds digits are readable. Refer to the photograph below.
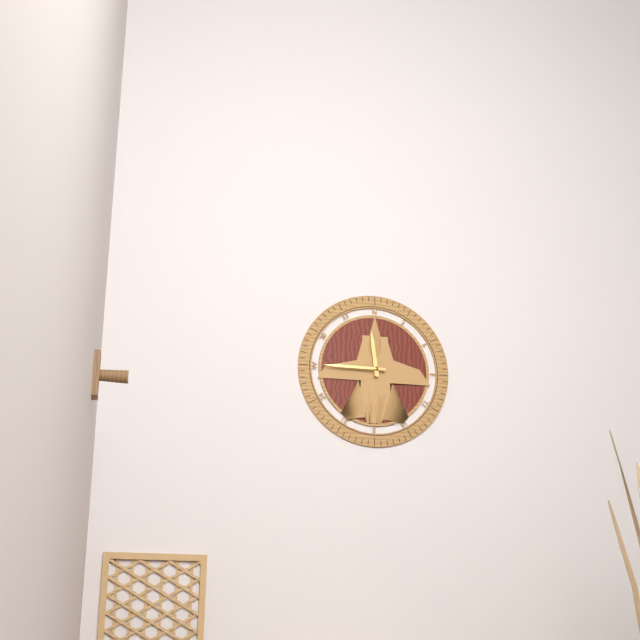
11:45
